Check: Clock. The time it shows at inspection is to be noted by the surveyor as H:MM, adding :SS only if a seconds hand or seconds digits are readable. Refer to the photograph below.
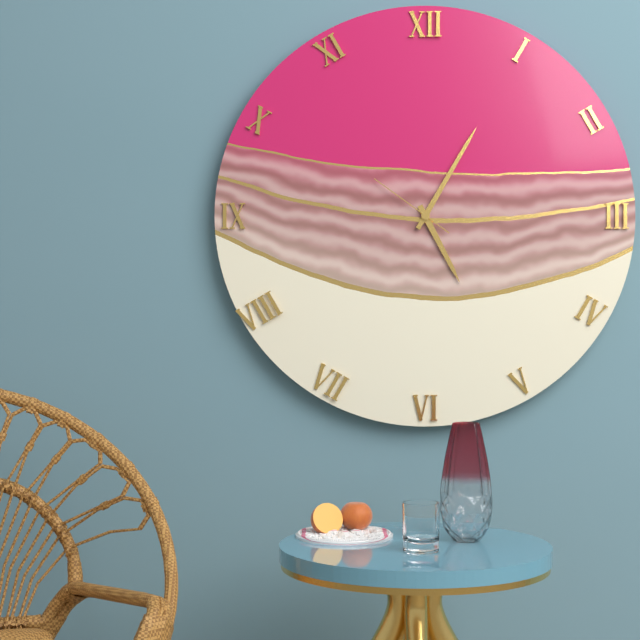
5:05:51
